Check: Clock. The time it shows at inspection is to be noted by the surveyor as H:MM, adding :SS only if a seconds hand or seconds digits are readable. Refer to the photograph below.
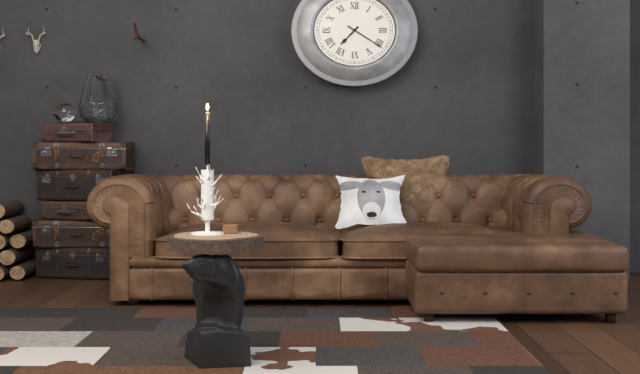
7:21
